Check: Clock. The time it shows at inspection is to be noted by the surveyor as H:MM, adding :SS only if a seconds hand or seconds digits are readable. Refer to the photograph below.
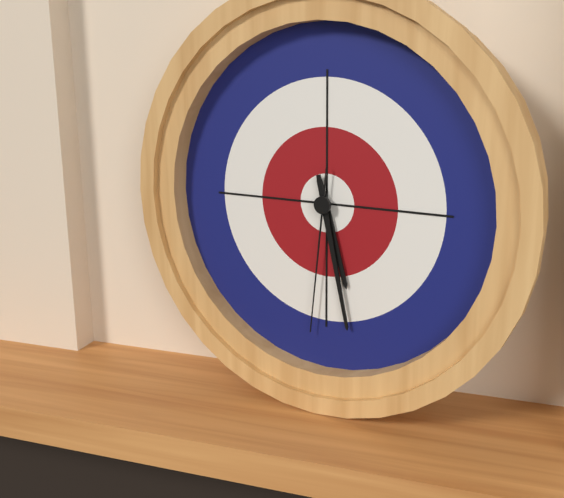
5:28:31
